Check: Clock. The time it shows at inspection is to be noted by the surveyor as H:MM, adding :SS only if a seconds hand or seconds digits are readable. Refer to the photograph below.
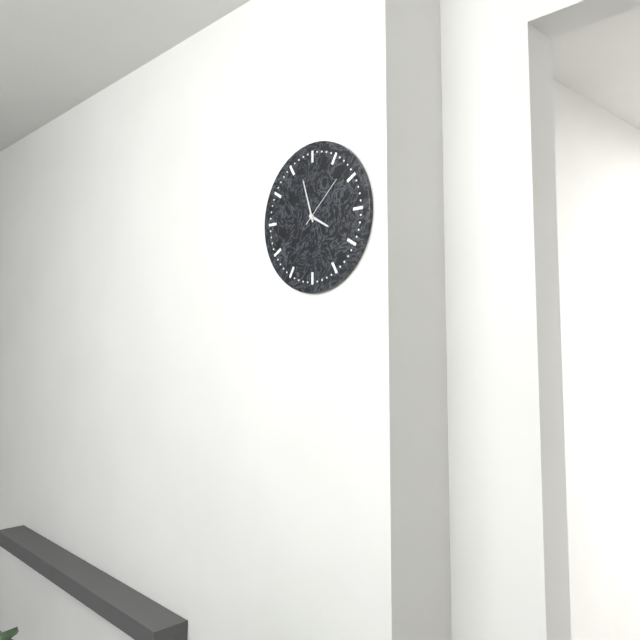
3:57:08
